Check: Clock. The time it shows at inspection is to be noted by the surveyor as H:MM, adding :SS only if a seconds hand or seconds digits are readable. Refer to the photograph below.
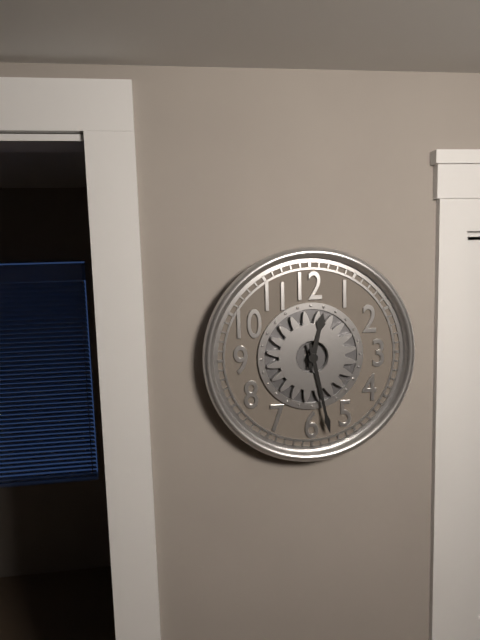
12:28
